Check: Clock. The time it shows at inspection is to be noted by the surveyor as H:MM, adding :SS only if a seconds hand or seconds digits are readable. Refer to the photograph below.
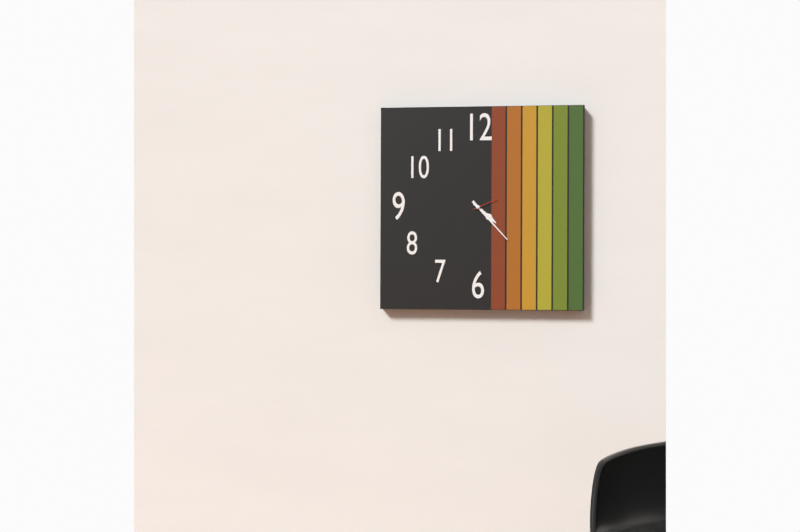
4:23
